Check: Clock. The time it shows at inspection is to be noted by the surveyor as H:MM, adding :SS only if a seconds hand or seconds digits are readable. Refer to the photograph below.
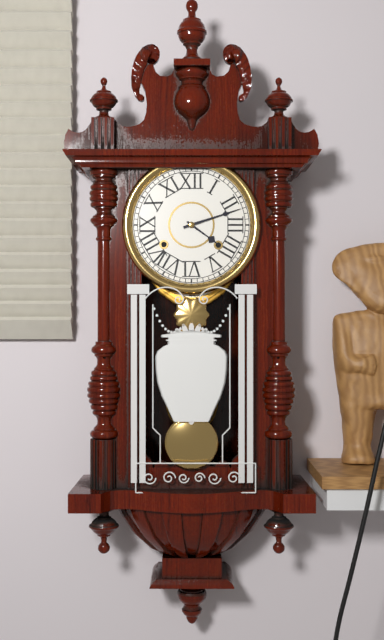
4:12
